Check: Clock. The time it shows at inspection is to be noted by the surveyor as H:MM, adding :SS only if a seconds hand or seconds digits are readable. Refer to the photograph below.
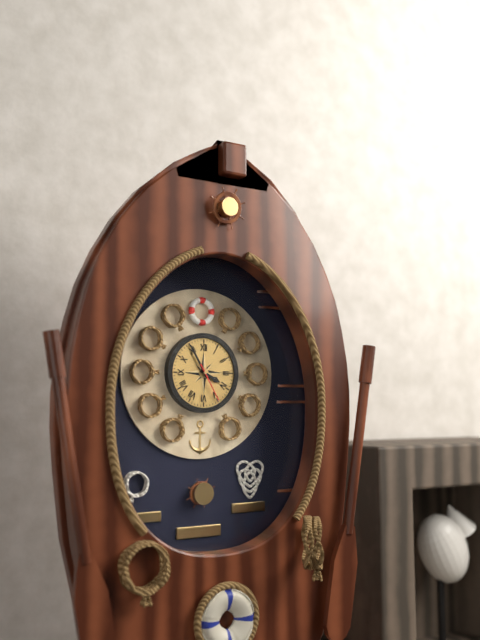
3:55
